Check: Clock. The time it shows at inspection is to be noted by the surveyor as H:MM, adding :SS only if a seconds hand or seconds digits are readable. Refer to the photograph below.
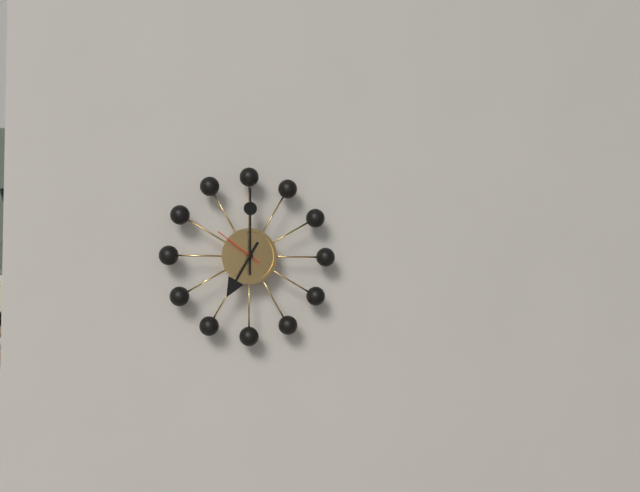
7:00:51
